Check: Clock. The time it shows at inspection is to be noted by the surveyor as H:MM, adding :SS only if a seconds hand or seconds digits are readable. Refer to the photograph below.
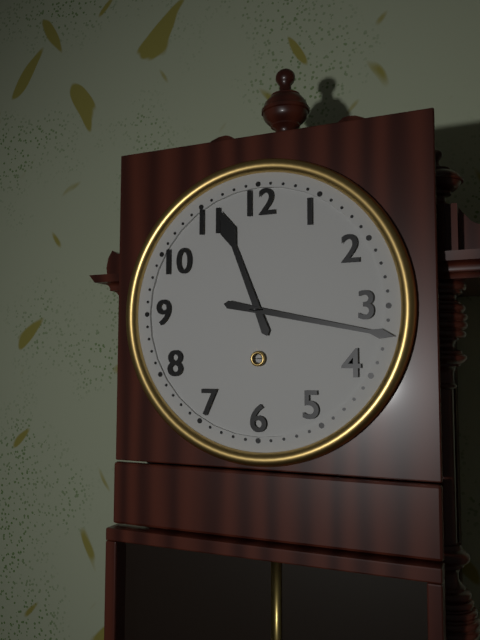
11:17
